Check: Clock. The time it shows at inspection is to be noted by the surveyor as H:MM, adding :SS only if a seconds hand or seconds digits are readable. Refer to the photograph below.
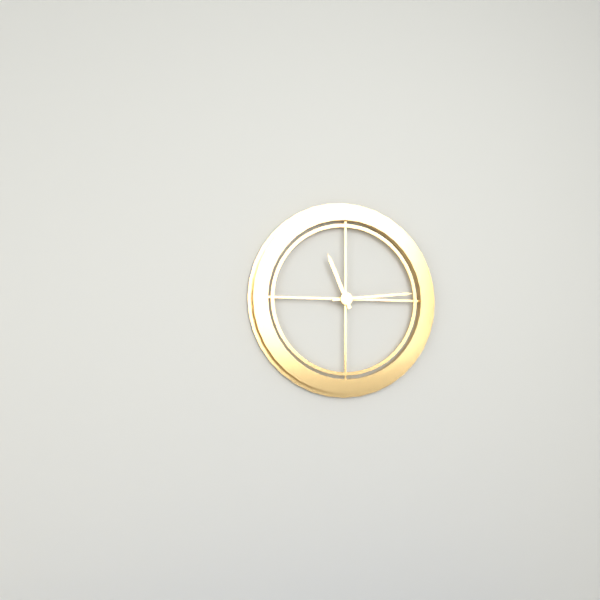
11:14
